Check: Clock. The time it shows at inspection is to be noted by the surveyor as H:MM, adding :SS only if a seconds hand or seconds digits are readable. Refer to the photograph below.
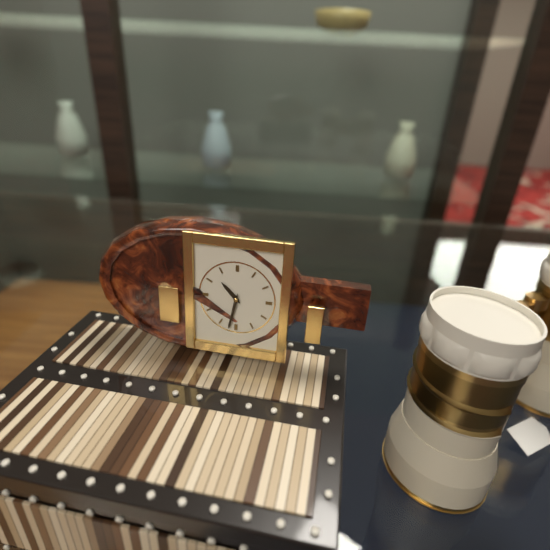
10:32
